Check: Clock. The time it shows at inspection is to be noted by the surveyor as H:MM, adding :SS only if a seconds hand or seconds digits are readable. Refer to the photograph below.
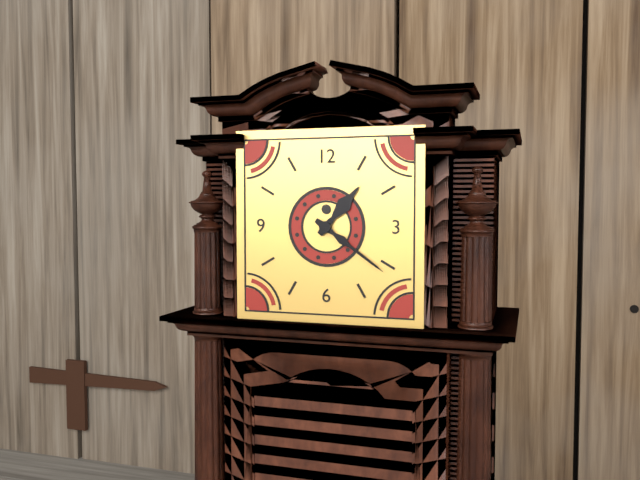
1:21
